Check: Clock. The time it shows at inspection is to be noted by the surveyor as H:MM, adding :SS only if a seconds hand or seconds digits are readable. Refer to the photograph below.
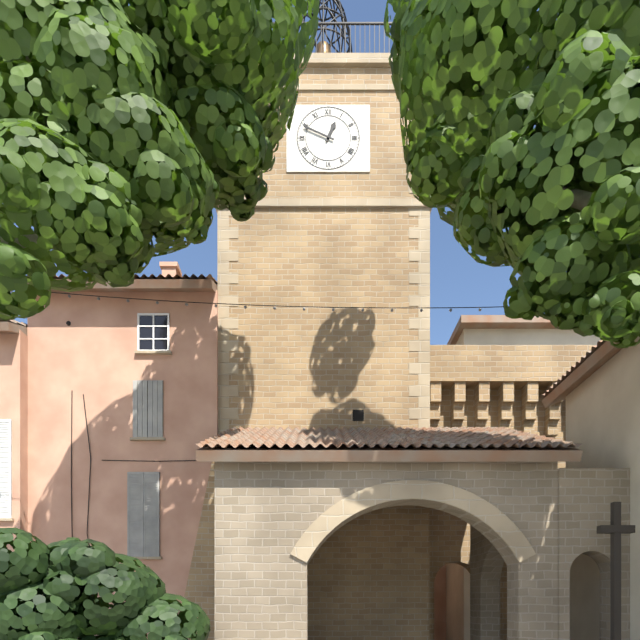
12:49
